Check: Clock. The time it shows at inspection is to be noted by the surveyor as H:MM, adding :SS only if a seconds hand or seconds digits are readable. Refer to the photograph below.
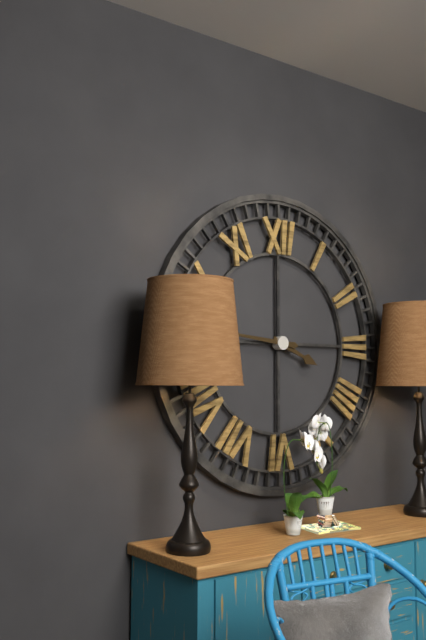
3:46
